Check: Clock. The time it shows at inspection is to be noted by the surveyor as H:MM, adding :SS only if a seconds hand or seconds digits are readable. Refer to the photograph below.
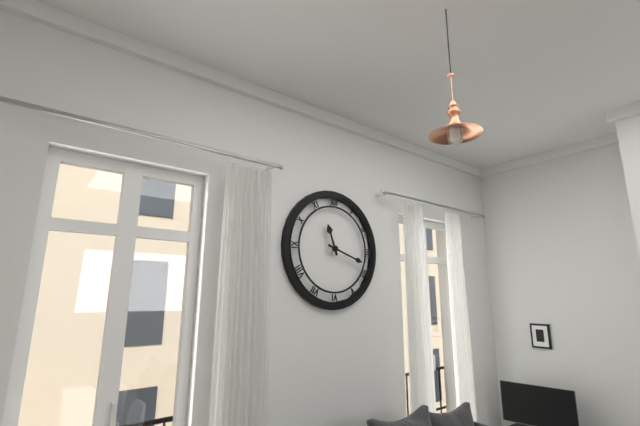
11:18
